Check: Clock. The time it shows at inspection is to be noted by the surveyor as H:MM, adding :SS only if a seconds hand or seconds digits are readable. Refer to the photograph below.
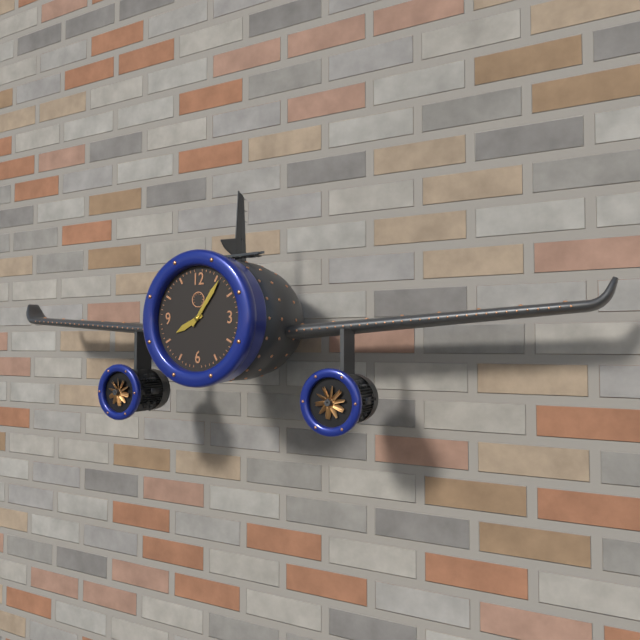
8:06
